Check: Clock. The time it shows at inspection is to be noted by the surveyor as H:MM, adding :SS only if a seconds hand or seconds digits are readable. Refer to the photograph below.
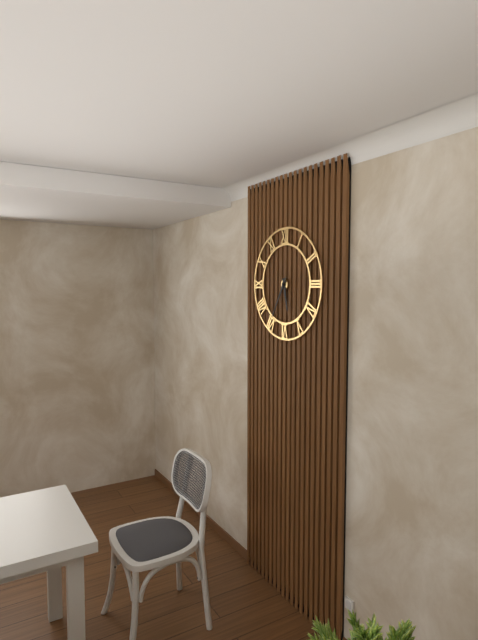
5:35
